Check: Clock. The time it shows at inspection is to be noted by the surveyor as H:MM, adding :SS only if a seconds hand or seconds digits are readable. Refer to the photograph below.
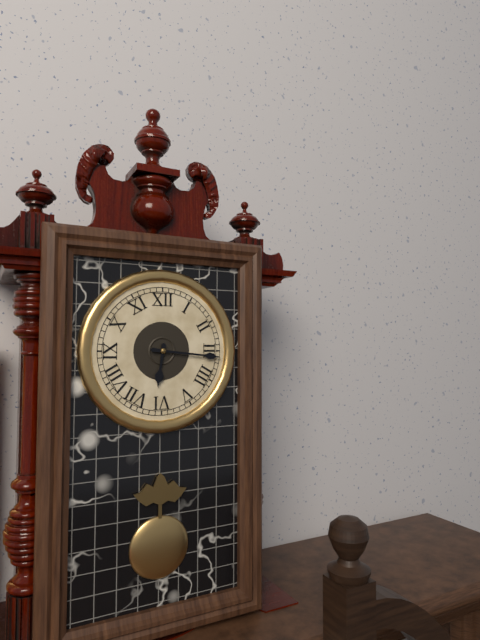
6:16
